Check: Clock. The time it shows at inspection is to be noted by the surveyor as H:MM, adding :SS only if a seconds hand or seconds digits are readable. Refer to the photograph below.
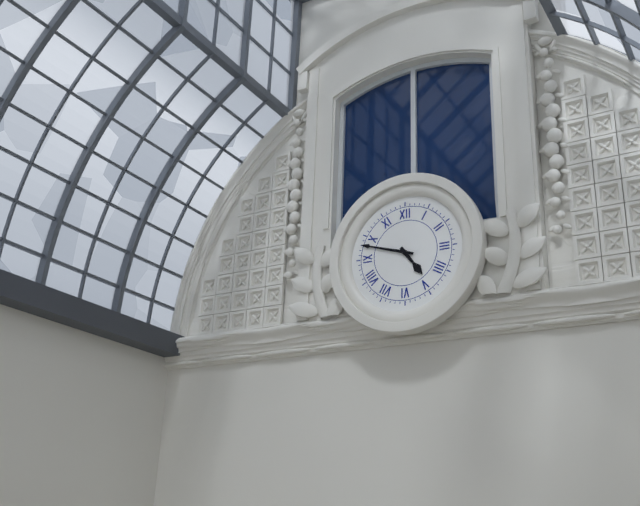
4:48
